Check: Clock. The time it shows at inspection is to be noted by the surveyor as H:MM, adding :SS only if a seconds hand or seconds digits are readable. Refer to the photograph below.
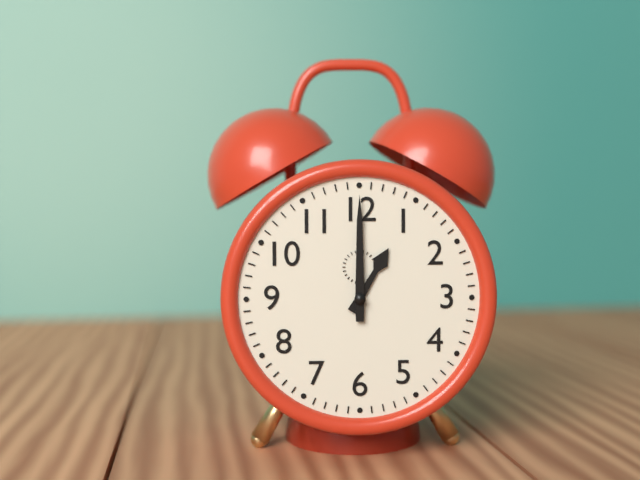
1:00
